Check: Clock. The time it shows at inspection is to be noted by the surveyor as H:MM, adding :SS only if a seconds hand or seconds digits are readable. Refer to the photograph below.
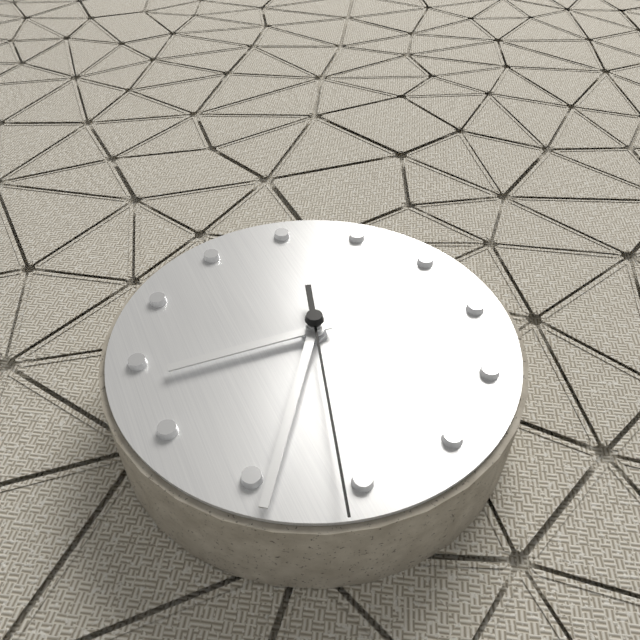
10:44:41
